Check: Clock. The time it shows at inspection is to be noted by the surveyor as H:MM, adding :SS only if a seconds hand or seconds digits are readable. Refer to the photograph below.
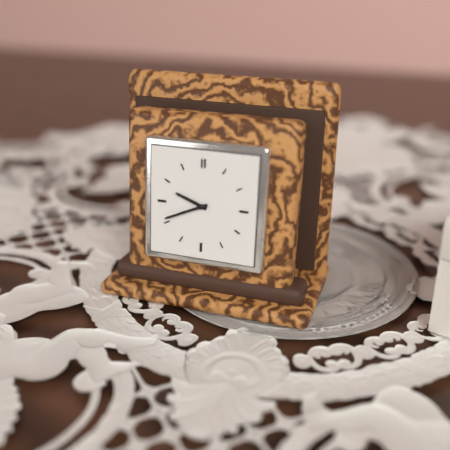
9:41
